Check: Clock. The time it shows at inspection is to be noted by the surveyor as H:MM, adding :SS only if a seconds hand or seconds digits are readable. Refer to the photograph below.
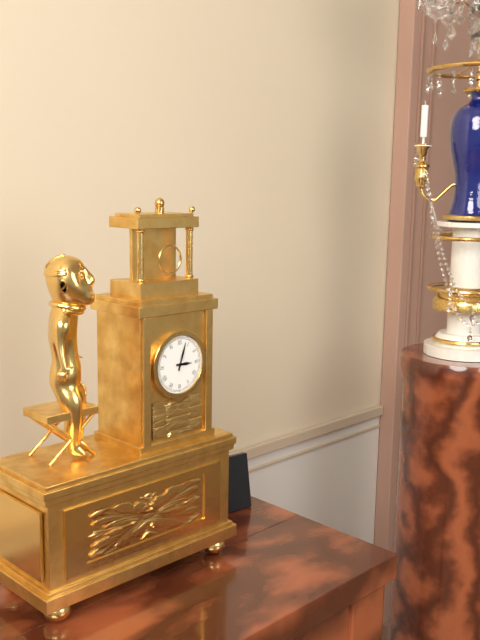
3:03
